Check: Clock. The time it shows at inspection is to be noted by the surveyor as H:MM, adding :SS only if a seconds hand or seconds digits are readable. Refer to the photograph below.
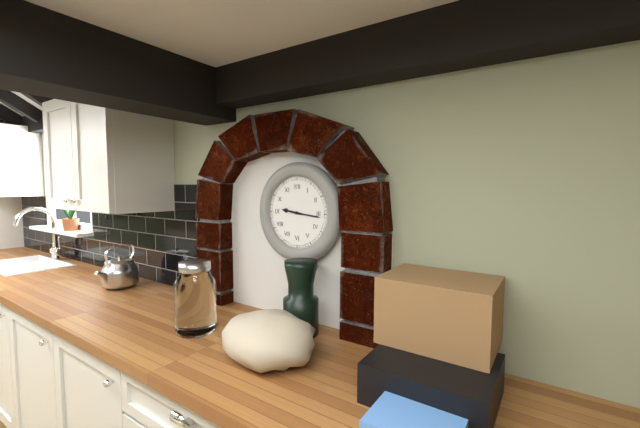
9:16
